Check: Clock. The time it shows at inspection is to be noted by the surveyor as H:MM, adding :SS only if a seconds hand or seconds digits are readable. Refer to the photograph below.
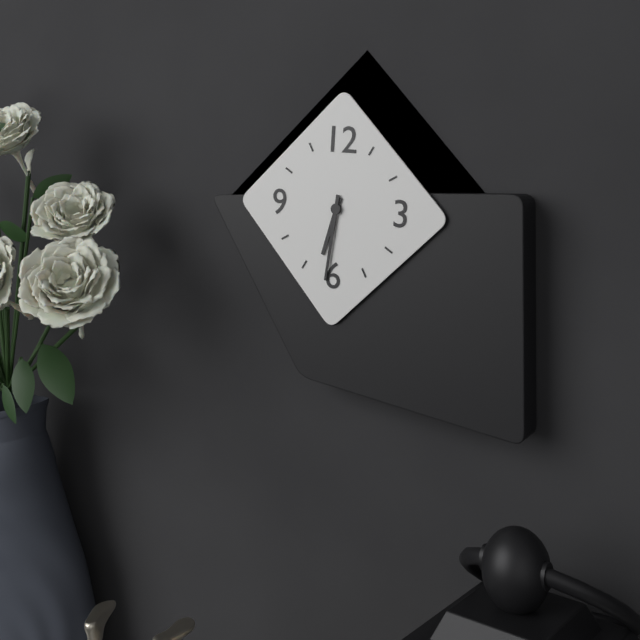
6:31
